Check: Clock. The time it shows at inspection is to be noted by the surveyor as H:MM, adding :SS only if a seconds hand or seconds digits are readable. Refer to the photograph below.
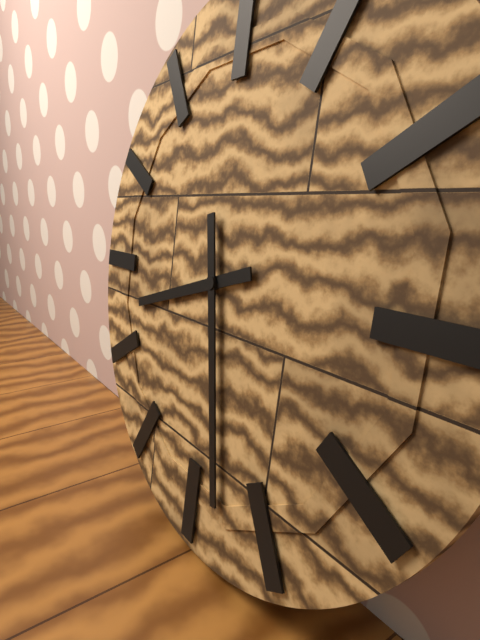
8:28
